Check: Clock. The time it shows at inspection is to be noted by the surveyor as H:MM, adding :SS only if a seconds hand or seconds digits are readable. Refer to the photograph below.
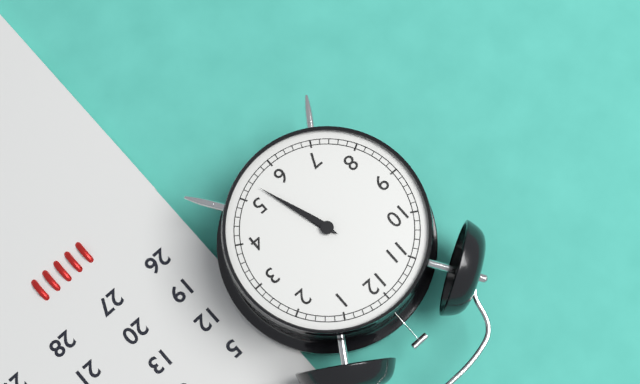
5:27
